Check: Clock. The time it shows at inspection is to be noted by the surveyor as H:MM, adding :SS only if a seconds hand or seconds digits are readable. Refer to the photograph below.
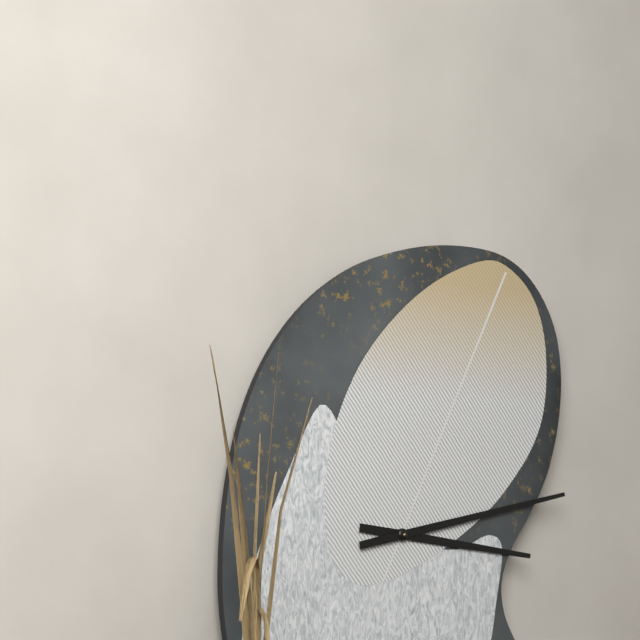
3:13
